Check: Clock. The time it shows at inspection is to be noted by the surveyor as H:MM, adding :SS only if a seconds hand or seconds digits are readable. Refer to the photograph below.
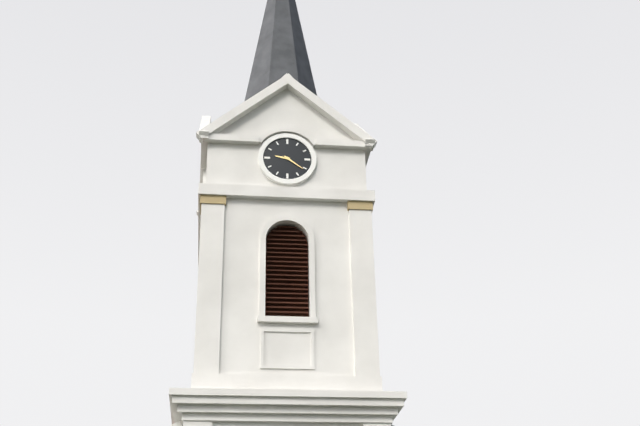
9:21
